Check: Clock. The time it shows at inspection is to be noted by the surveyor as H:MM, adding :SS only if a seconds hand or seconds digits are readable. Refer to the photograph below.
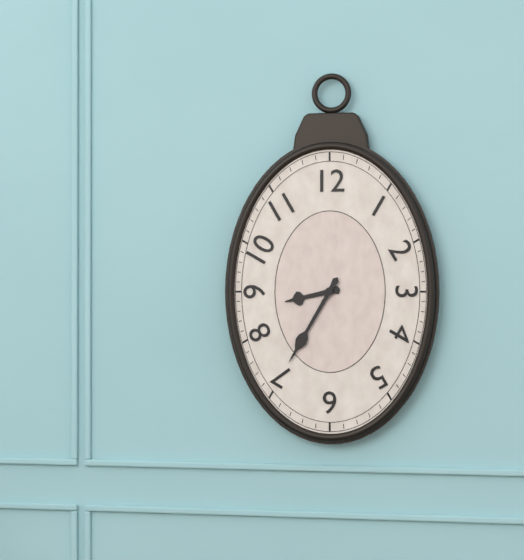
8:35
